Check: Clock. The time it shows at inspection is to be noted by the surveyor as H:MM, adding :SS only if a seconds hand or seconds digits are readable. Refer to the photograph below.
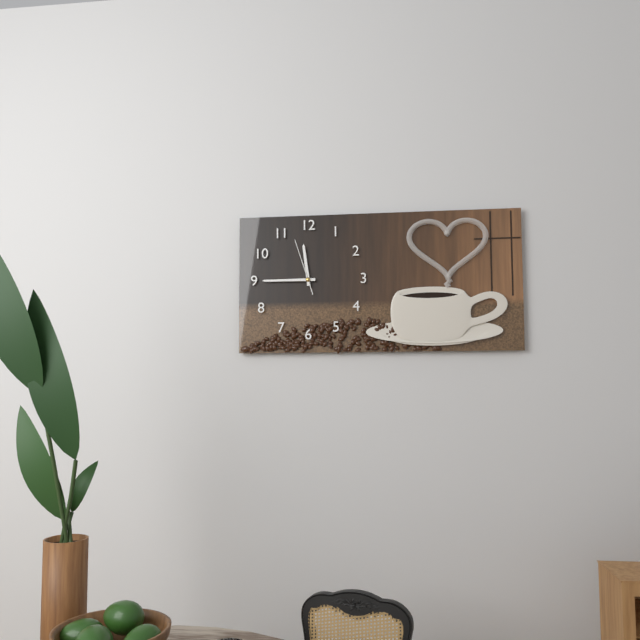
11:45:57
